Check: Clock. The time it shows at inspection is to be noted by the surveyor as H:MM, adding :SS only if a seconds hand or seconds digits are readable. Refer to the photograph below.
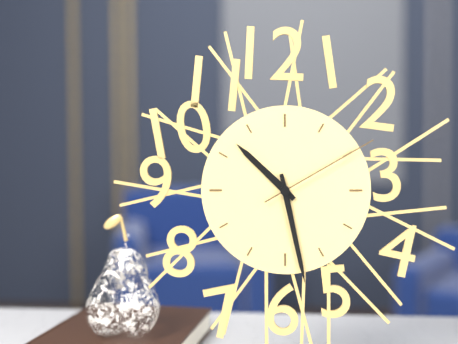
10:28:10
